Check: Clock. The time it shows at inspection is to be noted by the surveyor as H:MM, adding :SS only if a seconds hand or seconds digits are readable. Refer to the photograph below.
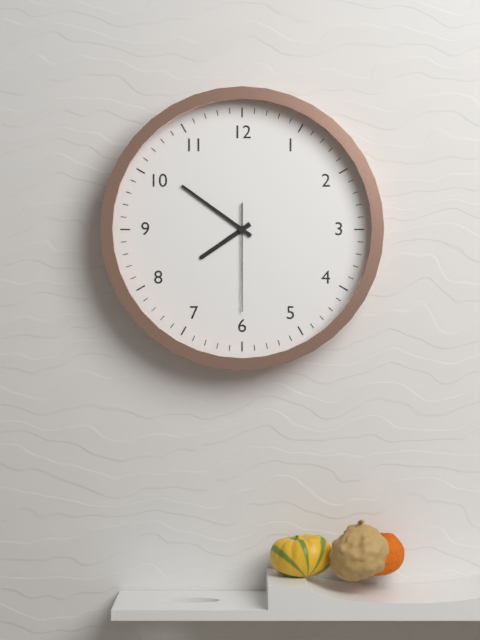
7:51:30
